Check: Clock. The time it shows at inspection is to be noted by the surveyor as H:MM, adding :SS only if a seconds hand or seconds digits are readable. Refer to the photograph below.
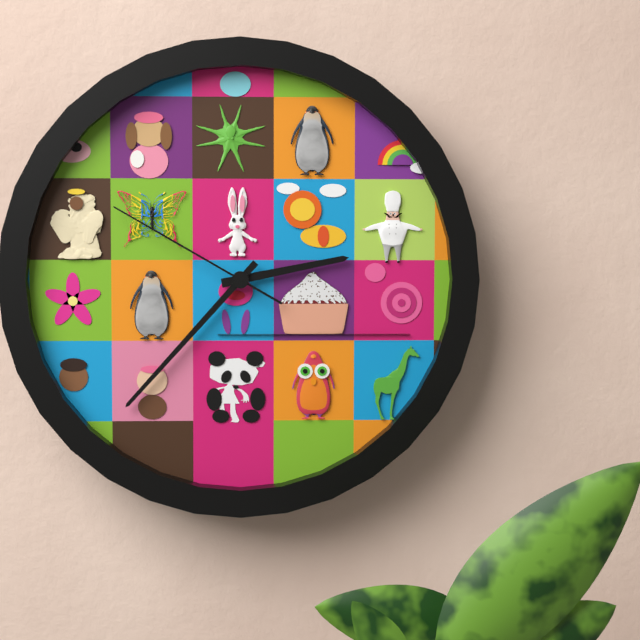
2:37:50
